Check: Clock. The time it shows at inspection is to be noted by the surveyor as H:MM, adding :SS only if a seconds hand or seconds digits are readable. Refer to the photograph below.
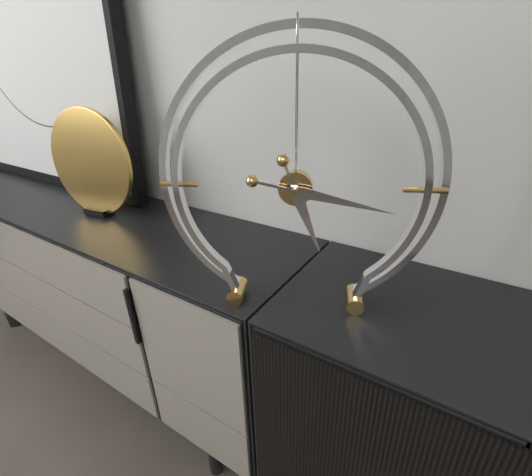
5:17
